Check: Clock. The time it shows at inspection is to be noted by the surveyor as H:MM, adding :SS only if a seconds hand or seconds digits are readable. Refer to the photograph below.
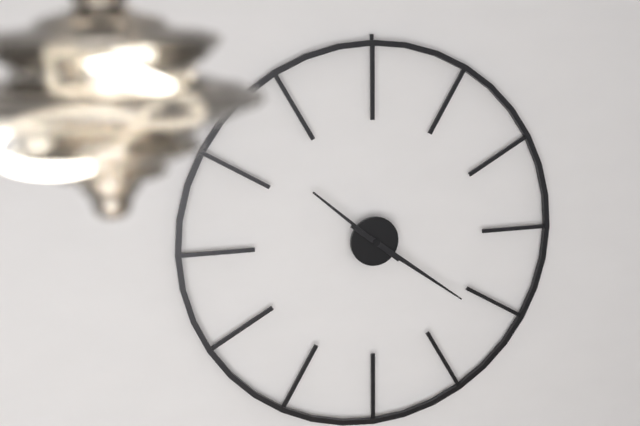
10:21
